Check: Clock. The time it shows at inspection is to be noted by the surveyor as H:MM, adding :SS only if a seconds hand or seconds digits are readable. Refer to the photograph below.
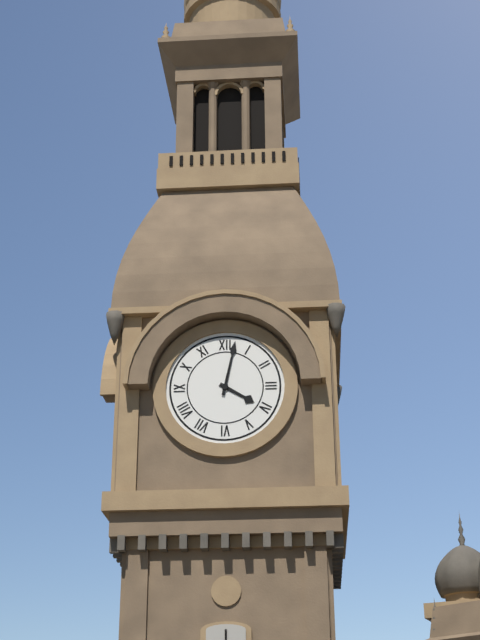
4:02
